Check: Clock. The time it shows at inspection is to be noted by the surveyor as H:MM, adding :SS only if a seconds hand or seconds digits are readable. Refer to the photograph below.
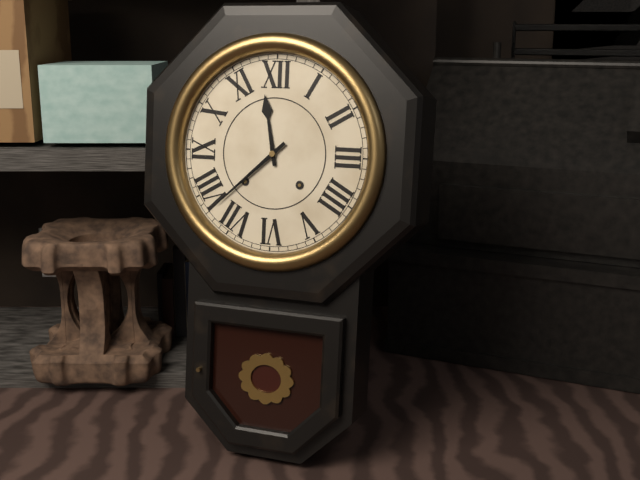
11:38
